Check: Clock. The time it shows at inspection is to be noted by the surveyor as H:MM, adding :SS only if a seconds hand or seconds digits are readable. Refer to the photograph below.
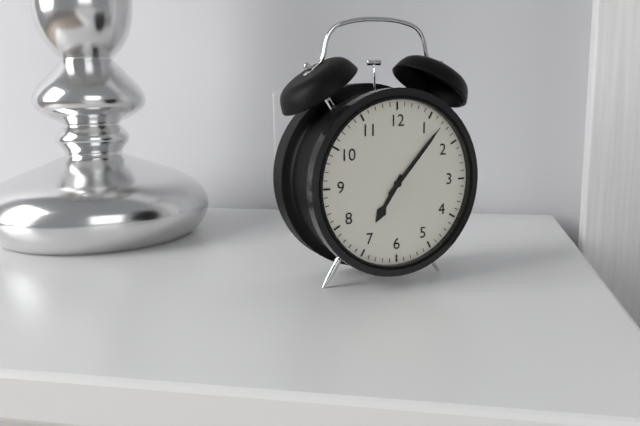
7:07
